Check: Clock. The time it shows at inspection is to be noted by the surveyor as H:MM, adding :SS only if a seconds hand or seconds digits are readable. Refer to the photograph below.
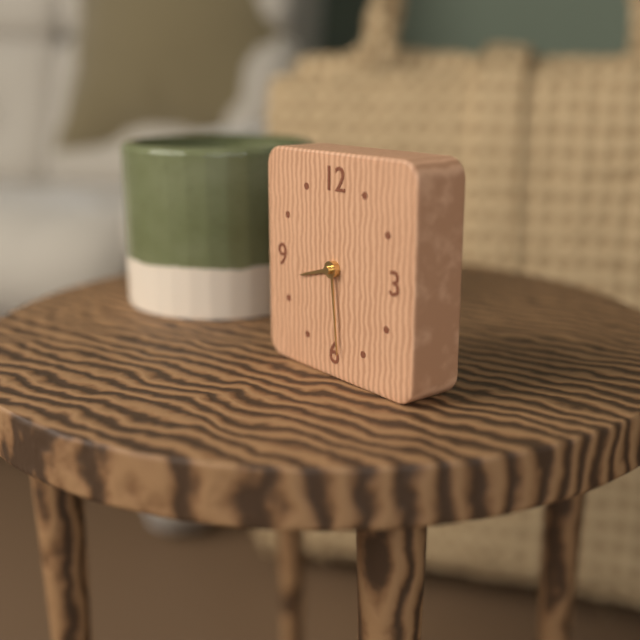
8:29
